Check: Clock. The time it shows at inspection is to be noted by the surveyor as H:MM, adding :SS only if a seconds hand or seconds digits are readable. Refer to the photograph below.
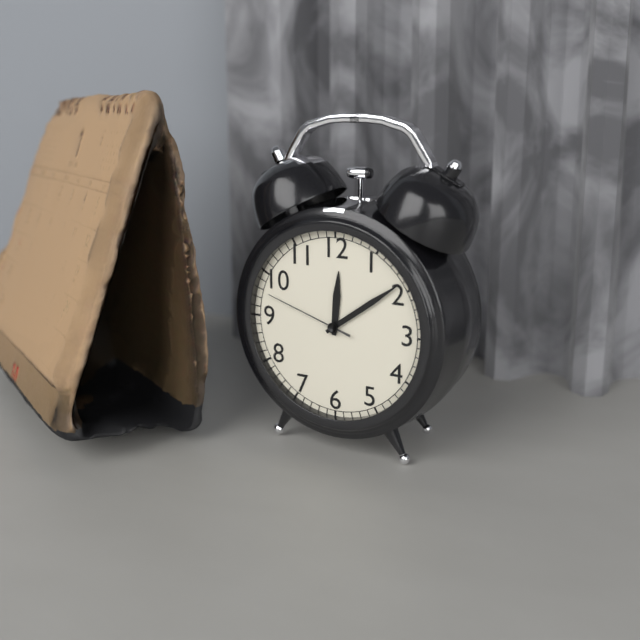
12:09:48
